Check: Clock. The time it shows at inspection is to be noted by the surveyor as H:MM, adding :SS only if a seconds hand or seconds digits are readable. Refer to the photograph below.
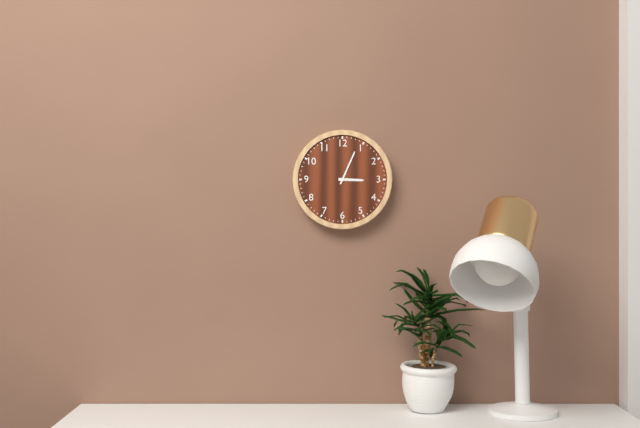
3:04
